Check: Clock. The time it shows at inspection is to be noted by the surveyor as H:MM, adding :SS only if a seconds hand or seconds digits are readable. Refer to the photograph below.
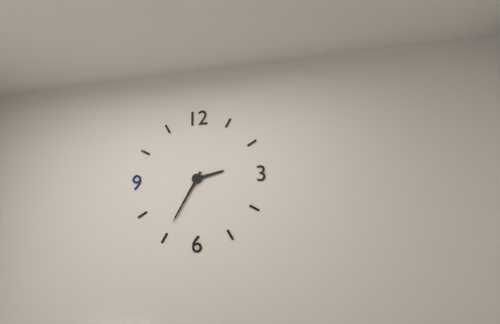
2:35
